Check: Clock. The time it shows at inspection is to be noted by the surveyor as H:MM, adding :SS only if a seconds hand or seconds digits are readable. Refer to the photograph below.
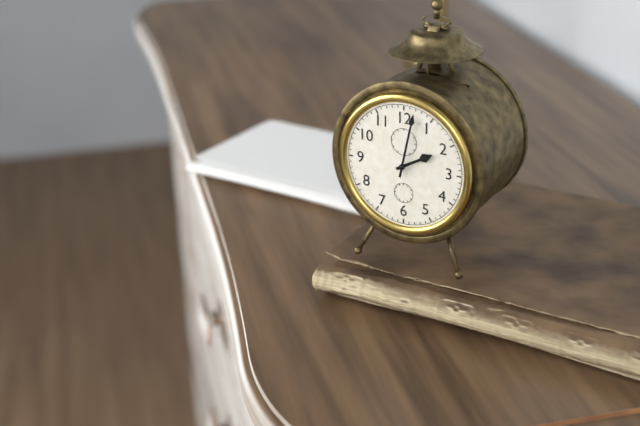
2:02
